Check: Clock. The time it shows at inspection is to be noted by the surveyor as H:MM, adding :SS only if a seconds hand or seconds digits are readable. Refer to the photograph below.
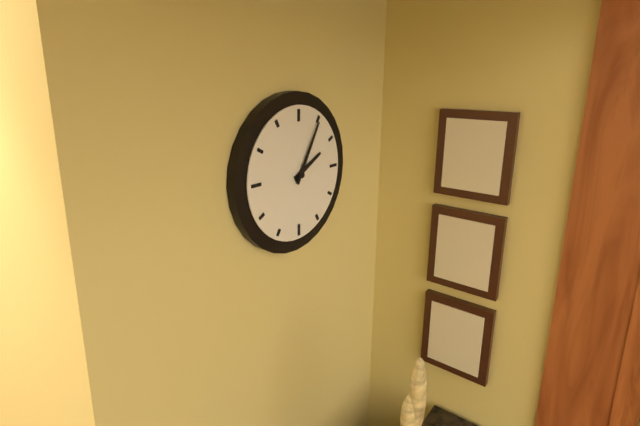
2:05
